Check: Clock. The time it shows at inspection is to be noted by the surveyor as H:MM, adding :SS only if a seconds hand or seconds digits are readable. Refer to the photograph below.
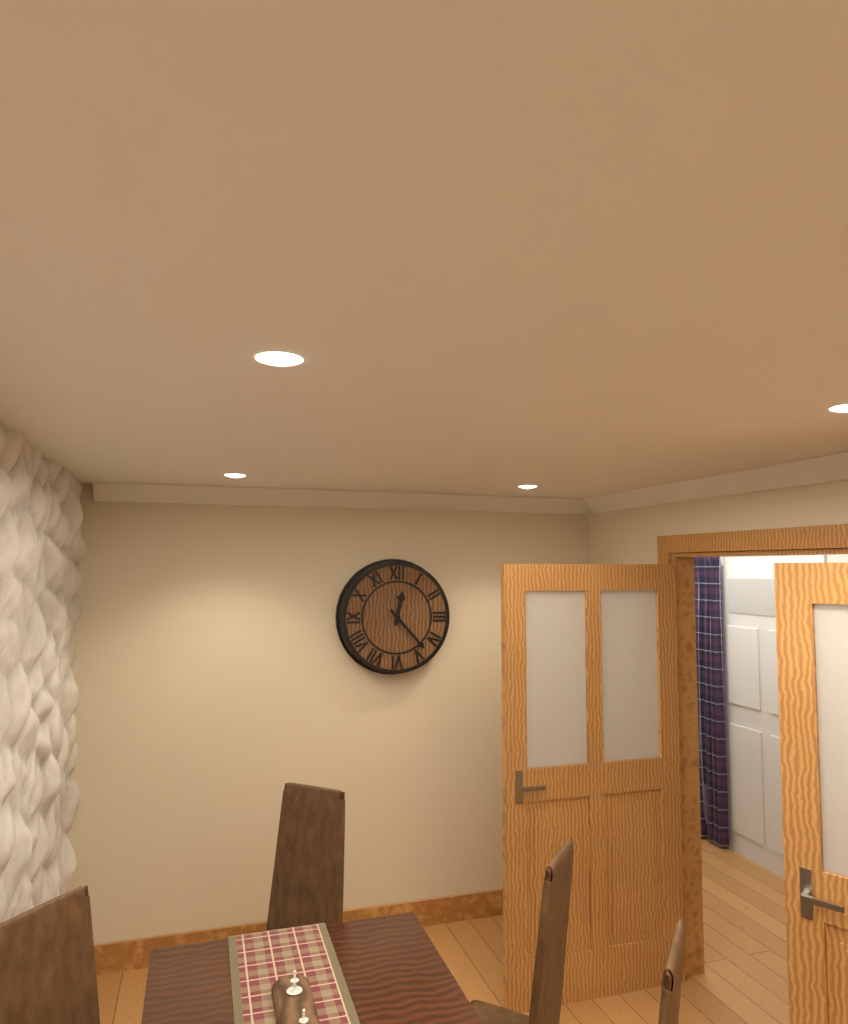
12:23
